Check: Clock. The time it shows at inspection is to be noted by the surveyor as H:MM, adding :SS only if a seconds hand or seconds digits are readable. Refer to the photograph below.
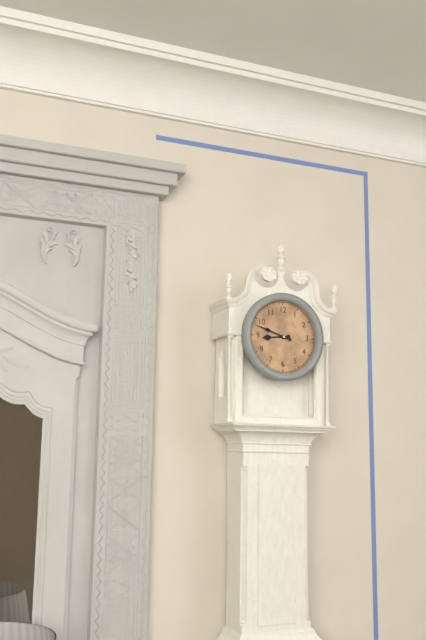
8:48
